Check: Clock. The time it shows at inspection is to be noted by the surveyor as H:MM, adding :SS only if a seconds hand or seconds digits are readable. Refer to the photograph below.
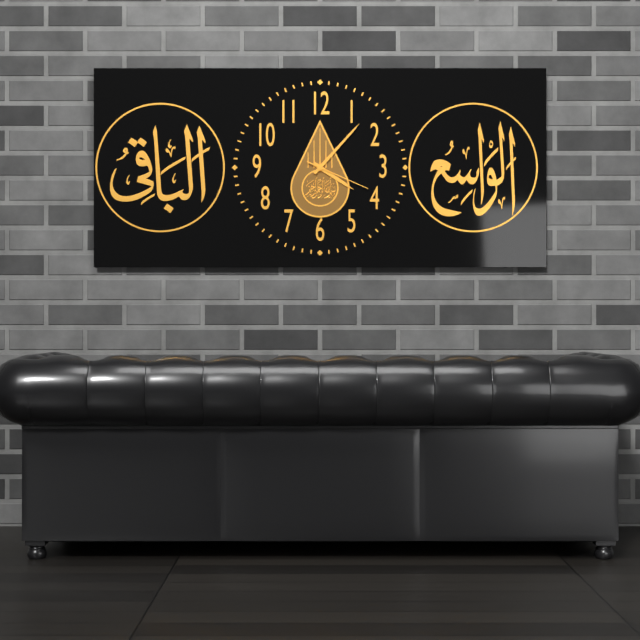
4:07:19
